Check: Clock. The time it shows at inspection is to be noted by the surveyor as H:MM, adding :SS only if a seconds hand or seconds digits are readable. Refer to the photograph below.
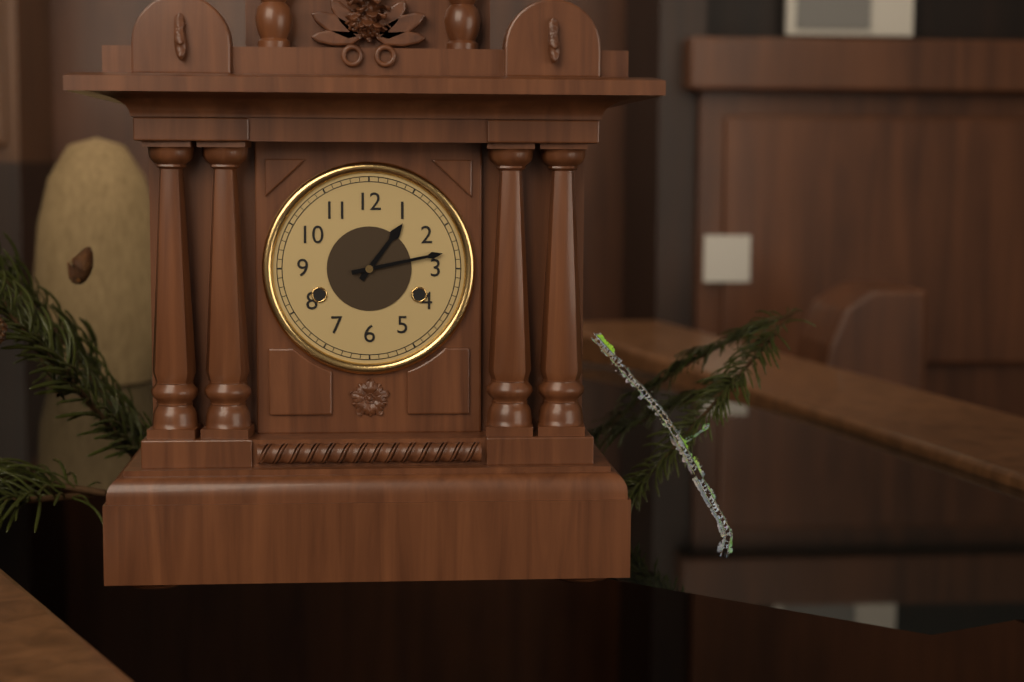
1:13
